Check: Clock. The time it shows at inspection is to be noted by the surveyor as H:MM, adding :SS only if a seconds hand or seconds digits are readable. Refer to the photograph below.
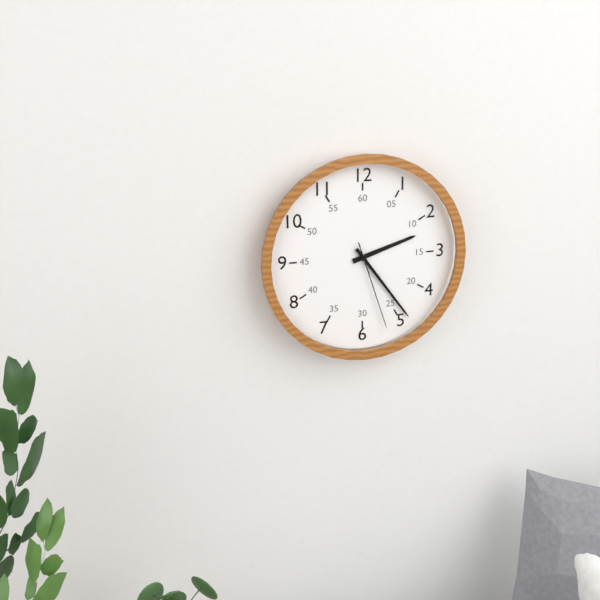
2:24:27
